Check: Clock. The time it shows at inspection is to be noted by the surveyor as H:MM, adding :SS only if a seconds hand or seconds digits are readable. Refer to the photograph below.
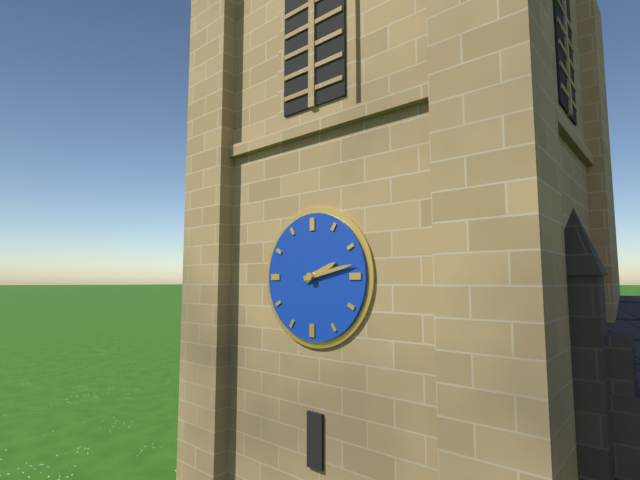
2:13
